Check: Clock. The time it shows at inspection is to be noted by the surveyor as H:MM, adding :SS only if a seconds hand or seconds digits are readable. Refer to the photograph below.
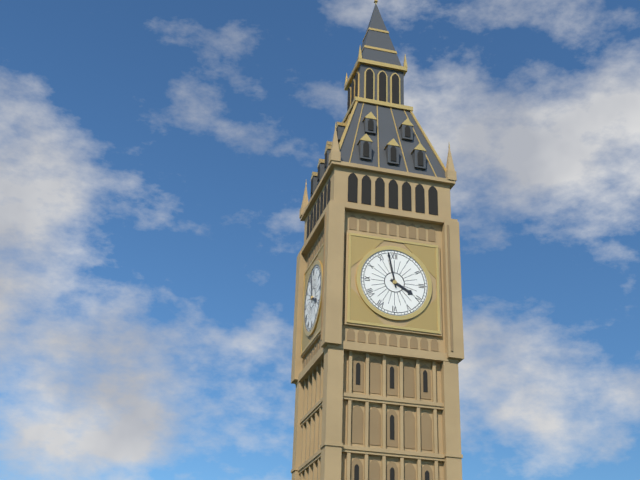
3:58
